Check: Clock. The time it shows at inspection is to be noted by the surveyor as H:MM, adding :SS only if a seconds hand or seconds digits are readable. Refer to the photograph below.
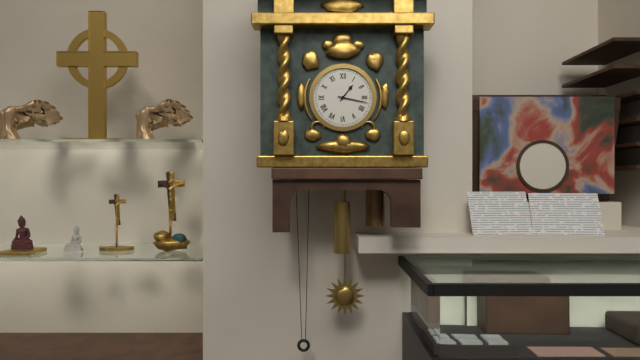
1:17
